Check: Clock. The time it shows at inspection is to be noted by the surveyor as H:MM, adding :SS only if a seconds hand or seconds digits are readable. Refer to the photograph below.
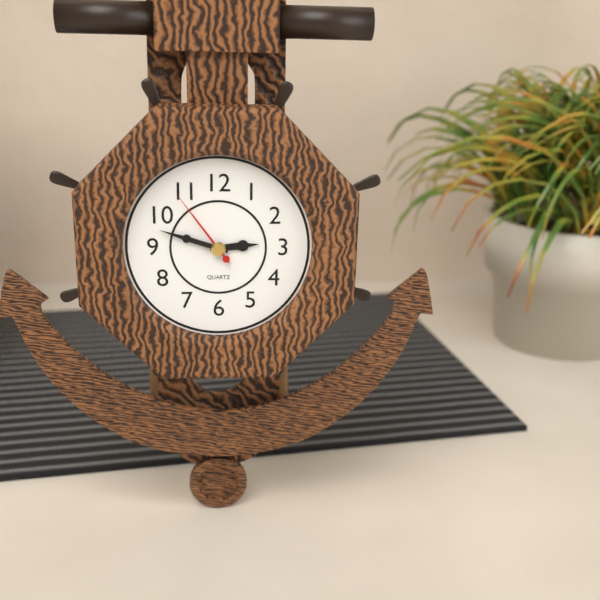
2:48:54
